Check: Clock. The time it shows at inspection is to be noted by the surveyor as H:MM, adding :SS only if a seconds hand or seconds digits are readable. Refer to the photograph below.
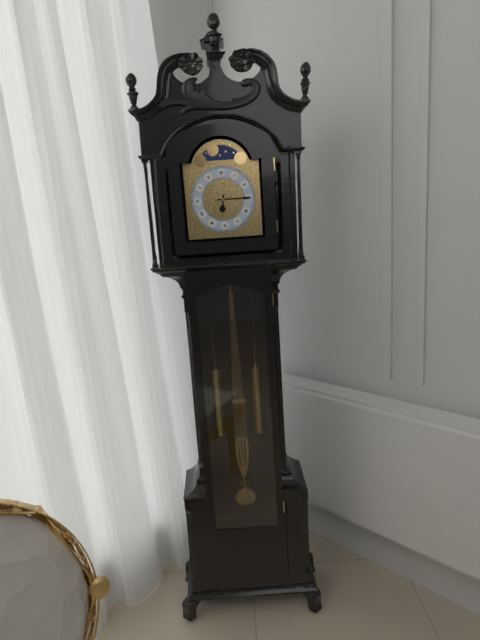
6:15
